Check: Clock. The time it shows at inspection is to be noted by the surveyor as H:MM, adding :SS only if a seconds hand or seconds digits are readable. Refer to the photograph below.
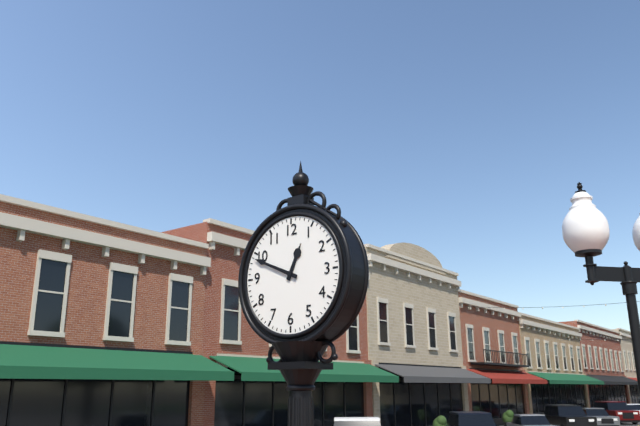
12:49
